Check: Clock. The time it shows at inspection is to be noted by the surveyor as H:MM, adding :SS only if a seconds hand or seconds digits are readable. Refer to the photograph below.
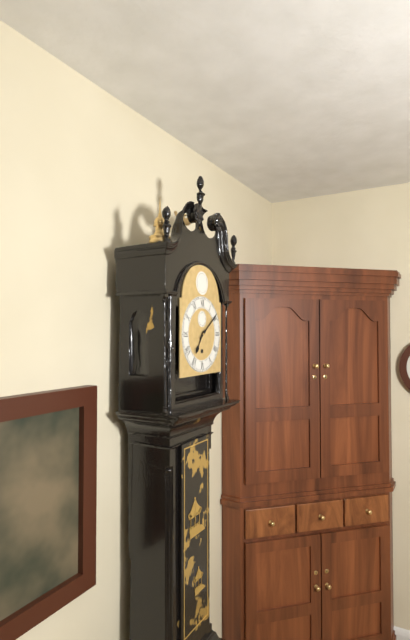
7:09
